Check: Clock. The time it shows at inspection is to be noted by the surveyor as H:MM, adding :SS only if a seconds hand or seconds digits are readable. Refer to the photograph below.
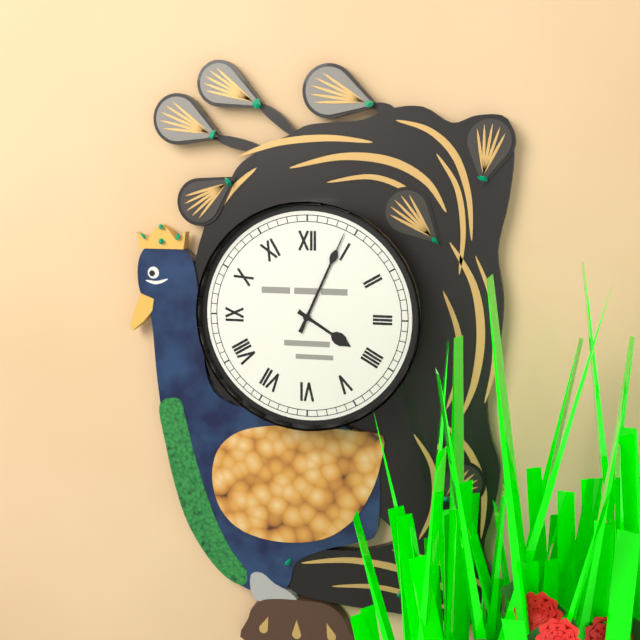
4:04
